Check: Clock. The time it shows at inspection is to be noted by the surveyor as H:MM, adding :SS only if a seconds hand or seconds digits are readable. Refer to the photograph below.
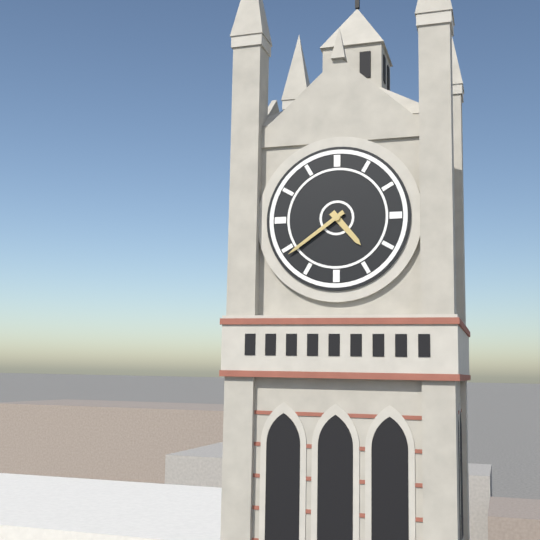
4:39
